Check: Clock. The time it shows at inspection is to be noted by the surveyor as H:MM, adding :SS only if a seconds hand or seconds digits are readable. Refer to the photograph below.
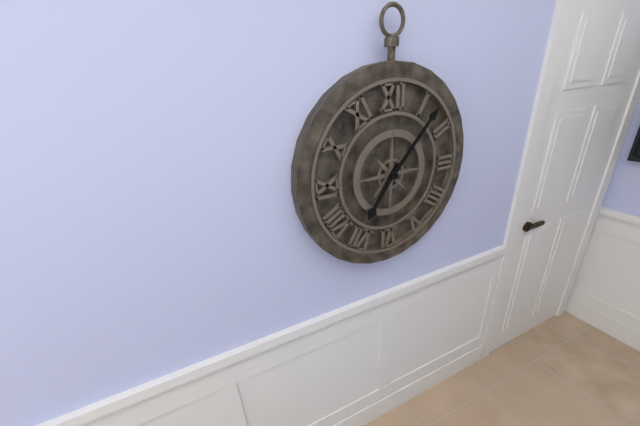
7:07
